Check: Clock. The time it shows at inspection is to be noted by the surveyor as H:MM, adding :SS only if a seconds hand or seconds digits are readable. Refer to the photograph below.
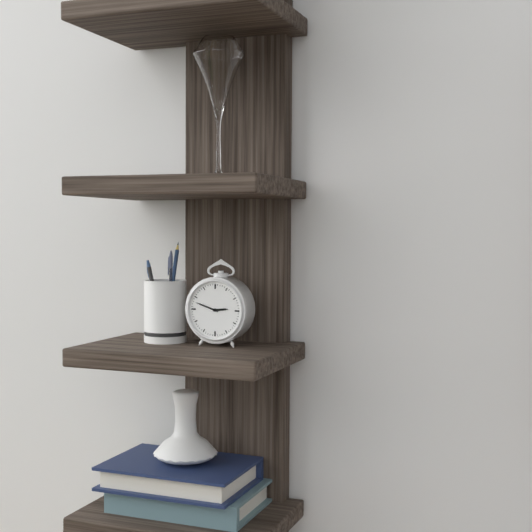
2:48
